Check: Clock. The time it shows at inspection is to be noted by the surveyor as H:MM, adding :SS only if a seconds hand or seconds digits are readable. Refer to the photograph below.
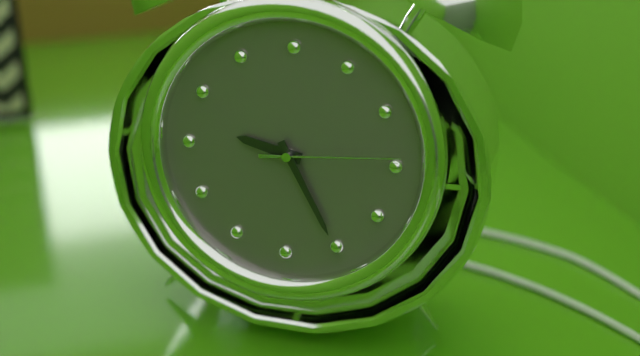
9:25:14
